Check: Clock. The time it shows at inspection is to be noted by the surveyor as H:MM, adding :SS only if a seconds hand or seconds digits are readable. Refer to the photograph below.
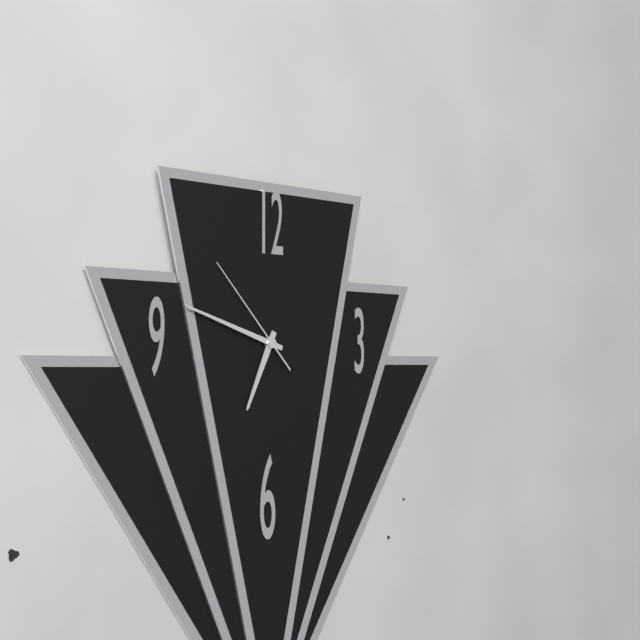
6:48:53
